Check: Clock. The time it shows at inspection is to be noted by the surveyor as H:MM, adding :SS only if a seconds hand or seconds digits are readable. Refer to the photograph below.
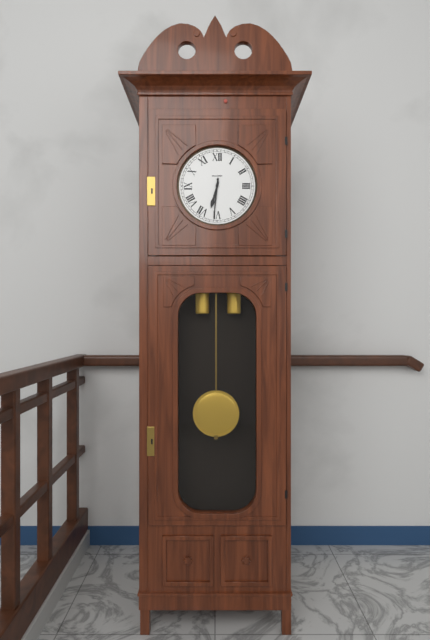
6:31
